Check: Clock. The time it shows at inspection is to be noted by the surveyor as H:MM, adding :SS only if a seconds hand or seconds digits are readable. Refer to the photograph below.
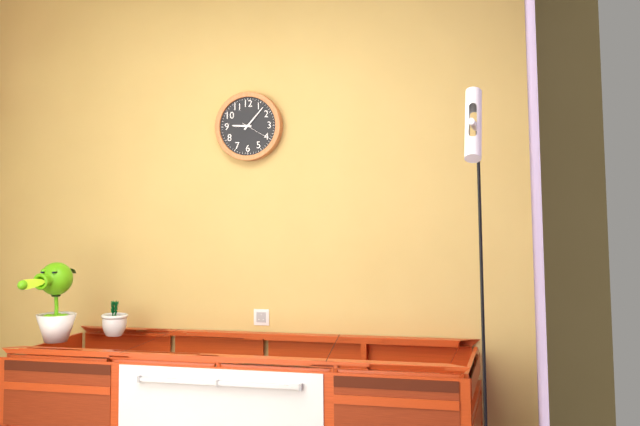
9:07
